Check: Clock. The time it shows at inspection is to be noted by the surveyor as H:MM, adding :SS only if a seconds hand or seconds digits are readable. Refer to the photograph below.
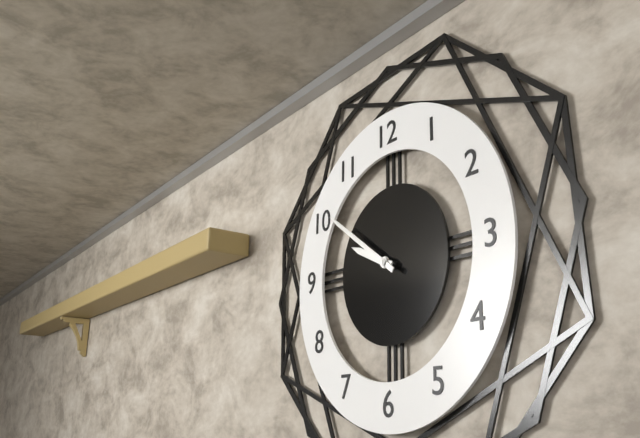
9:51
